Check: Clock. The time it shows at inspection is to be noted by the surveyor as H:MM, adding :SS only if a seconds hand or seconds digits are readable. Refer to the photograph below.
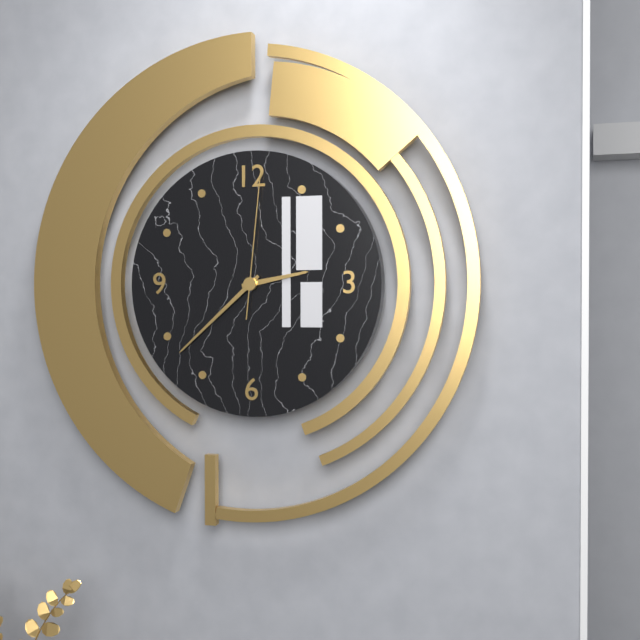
2:38:01
